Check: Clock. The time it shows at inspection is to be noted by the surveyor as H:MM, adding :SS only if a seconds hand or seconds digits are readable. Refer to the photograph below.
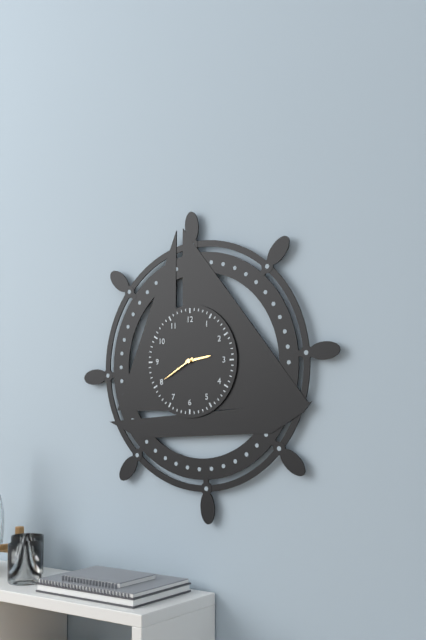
2:40
